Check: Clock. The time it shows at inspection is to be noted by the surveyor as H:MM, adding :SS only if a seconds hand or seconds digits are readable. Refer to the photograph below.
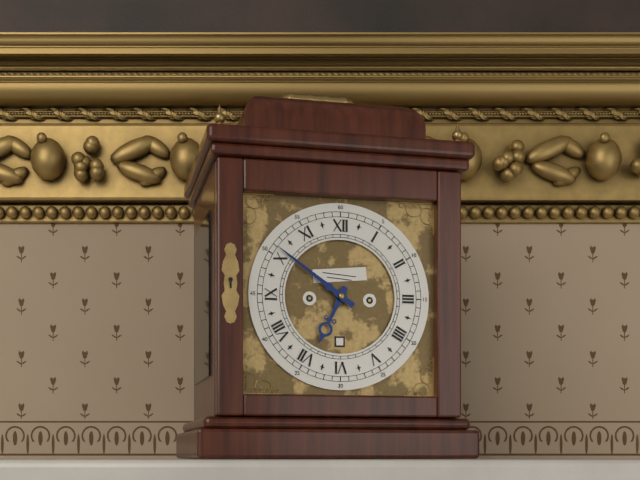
6:51
